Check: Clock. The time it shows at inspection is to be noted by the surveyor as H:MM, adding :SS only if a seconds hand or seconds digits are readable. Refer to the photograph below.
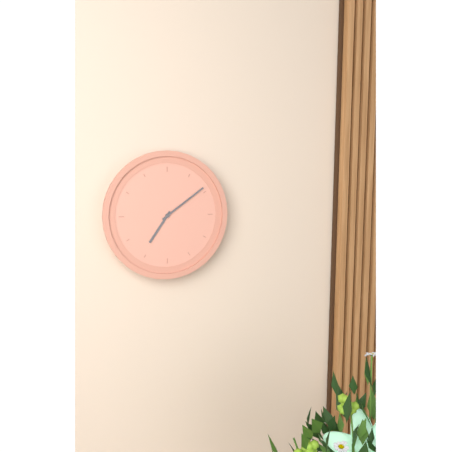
7:09
